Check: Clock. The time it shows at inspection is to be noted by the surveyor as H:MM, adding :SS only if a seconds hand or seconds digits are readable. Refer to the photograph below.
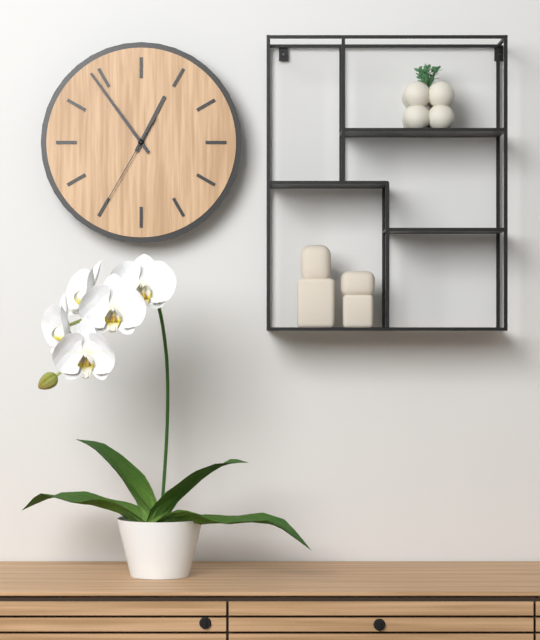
12:54:35
